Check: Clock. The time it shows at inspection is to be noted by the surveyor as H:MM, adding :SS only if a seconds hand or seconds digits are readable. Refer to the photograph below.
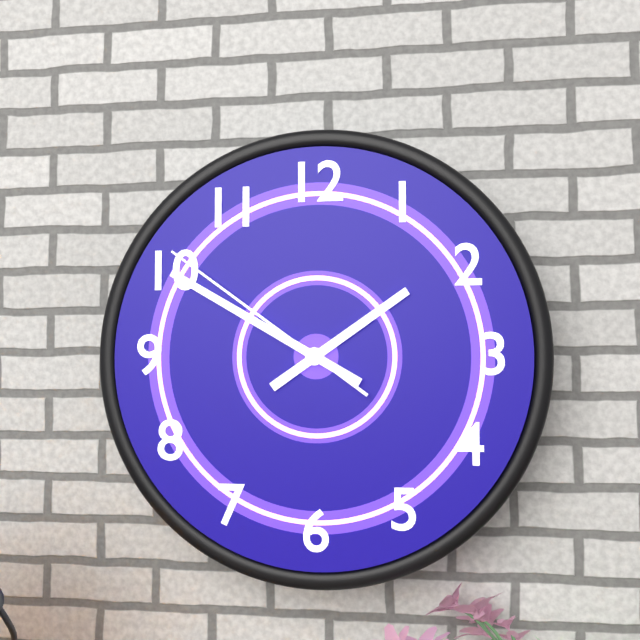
1:50:51
